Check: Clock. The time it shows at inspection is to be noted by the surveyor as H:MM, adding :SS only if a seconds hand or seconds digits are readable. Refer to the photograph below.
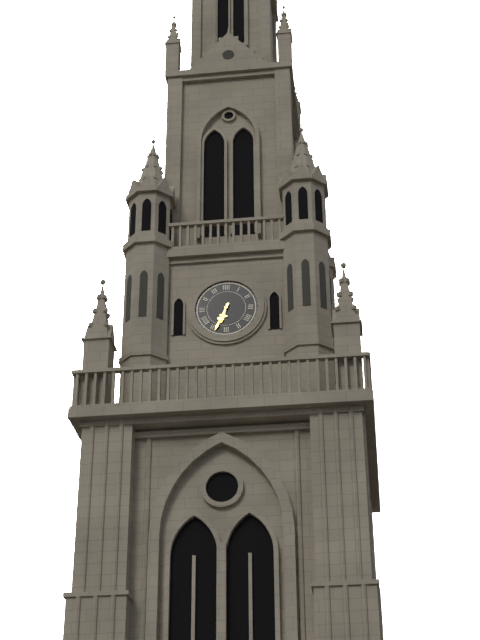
6:34
